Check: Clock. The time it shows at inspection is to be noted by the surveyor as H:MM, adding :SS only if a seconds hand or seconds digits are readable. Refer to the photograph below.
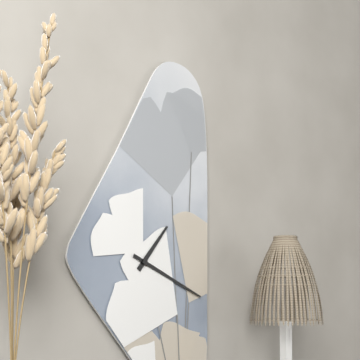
1:19
